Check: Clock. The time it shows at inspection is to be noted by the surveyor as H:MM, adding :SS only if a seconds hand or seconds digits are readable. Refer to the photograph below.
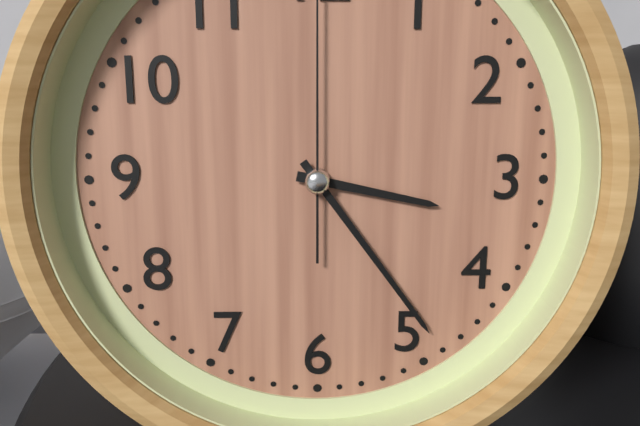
3:24
